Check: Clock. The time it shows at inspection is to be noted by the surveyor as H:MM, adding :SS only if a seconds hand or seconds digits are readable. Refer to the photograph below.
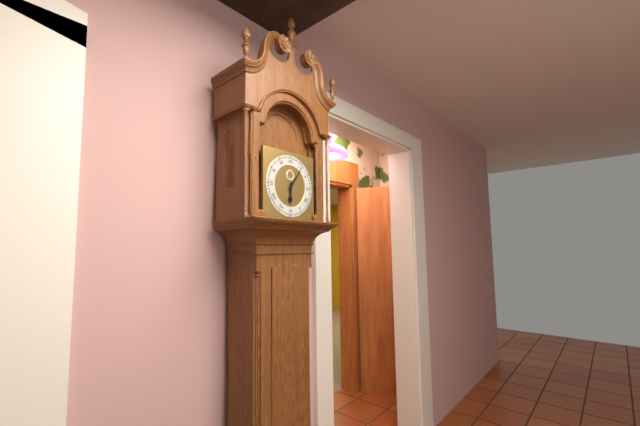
6:06
